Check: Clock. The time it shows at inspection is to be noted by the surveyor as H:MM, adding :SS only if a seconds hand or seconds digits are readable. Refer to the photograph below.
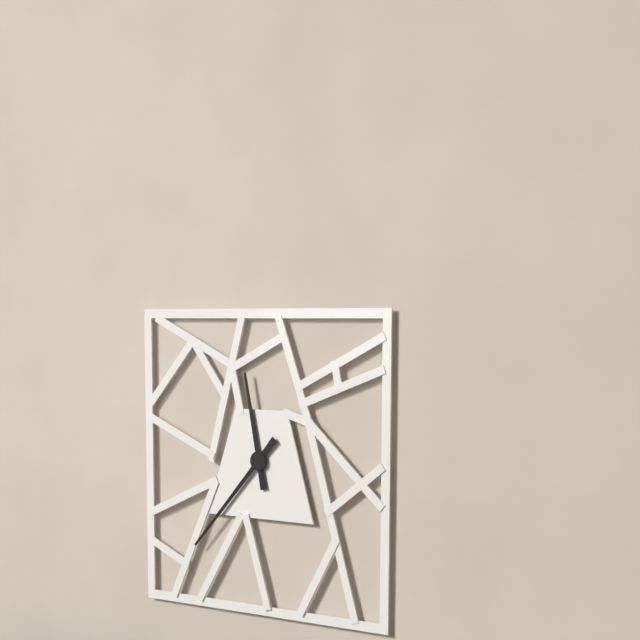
11:37
